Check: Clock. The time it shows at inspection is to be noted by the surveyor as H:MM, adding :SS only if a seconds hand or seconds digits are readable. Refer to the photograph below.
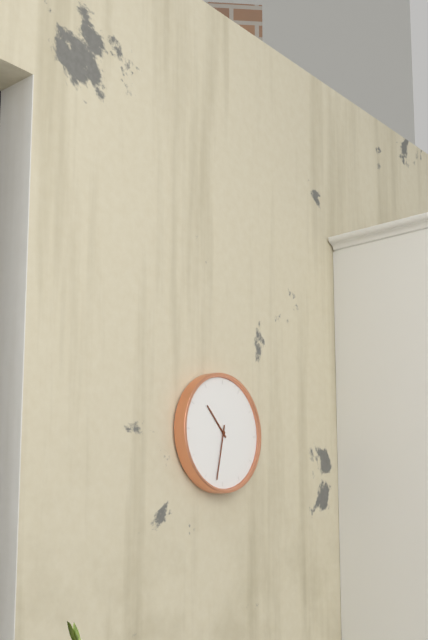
10:32
